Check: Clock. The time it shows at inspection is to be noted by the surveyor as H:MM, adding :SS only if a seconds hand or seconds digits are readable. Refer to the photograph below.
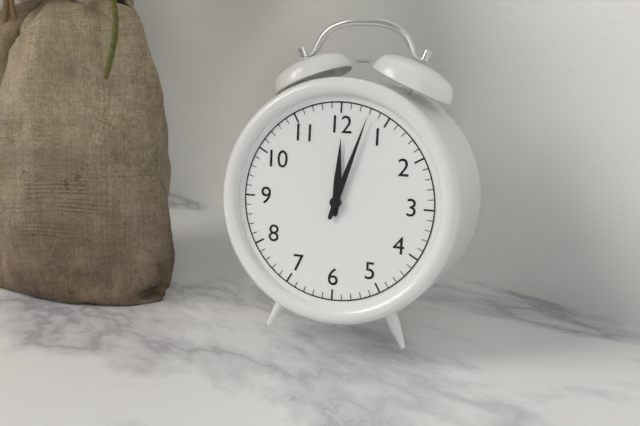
12:03
